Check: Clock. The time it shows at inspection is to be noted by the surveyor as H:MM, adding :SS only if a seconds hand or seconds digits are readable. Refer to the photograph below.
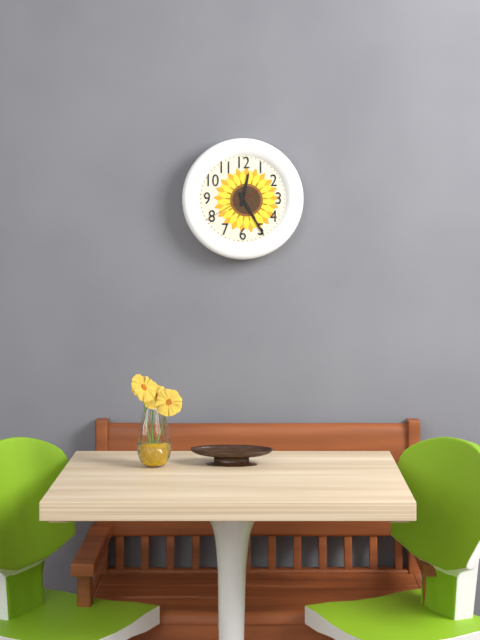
12:25:40
